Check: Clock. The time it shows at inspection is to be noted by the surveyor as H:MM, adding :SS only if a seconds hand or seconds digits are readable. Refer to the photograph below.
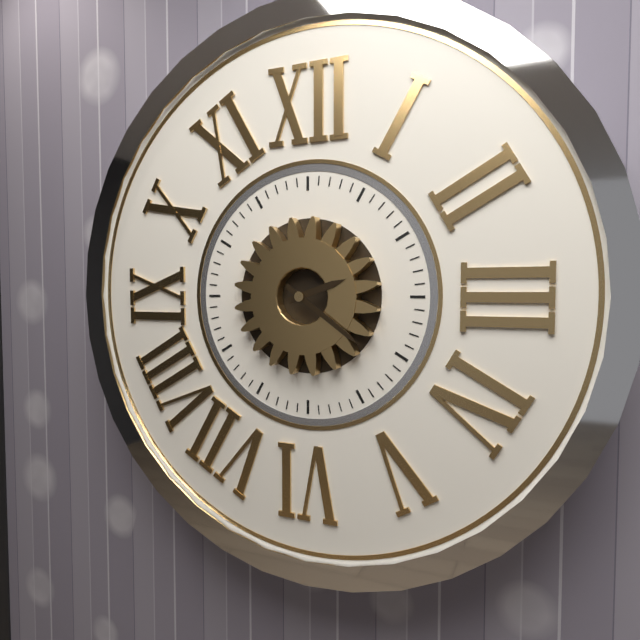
2:21
